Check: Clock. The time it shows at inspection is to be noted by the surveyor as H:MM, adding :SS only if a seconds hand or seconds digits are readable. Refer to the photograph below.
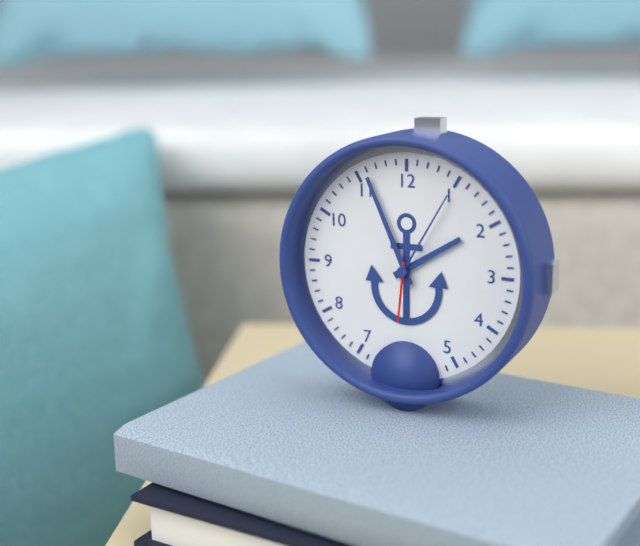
1:56:31
